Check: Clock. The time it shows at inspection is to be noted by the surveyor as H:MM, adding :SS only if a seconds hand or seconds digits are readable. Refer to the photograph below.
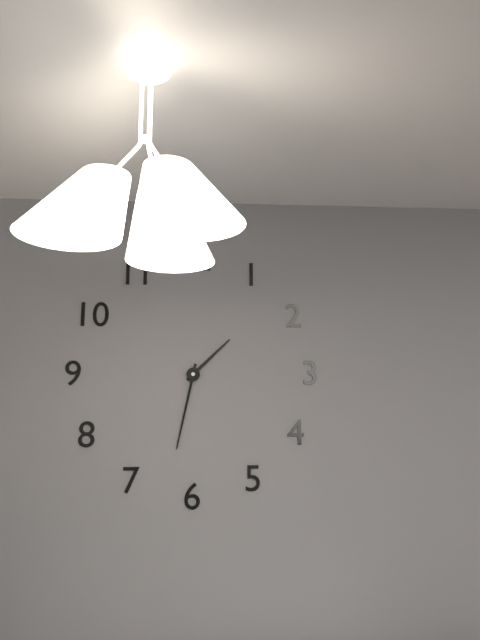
1:32
